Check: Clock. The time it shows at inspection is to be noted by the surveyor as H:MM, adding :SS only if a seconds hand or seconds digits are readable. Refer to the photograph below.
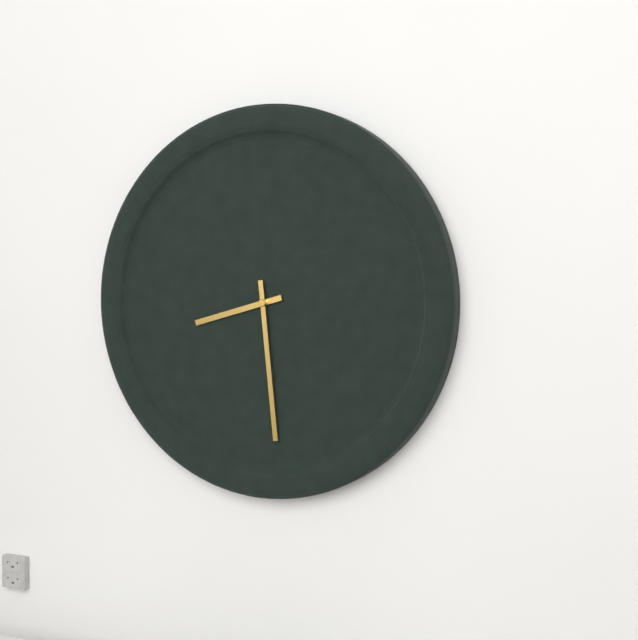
8:29
